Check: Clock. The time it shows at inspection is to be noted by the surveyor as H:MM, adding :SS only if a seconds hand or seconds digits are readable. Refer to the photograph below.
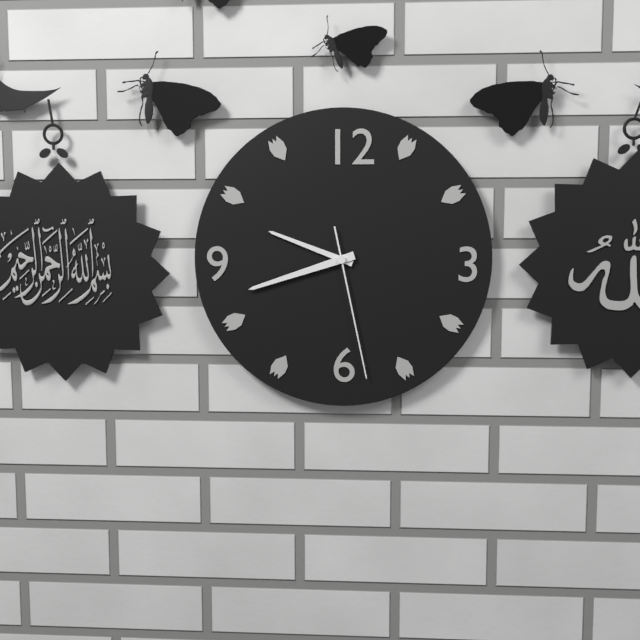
9:42:28
